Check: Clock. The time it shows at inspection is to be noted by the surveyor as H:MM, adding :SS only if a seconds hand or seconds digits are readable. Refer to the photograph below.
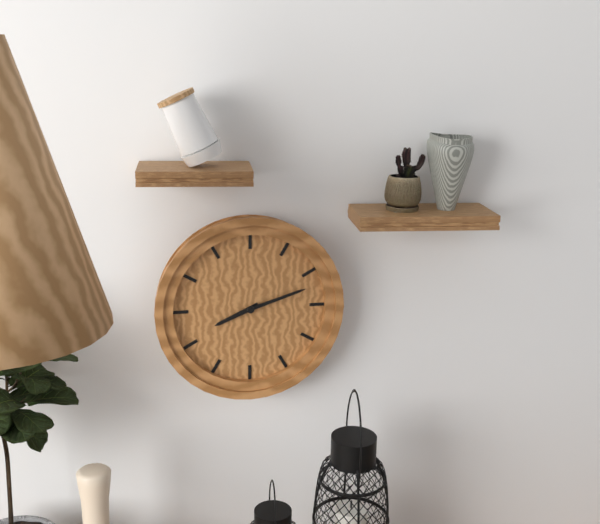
8:12
